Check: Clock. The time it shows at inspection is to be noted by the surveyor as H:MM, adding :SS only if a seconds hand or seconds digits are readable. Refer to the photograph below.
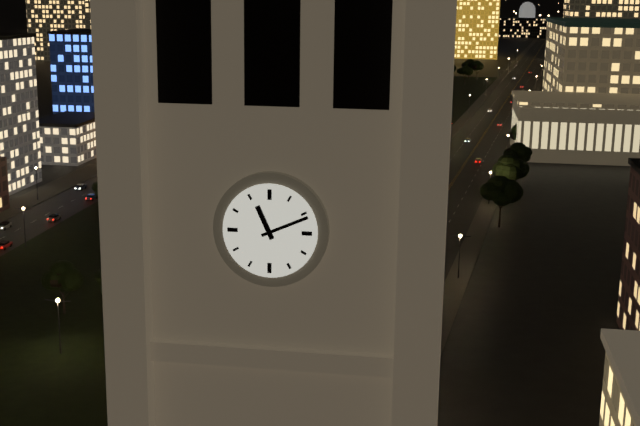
11:11
